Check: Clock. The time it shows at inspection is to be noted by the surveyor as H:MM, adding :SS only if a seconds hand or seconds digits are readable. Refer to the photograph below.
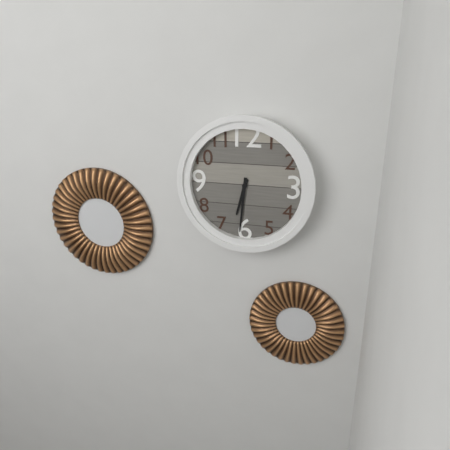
6:31
